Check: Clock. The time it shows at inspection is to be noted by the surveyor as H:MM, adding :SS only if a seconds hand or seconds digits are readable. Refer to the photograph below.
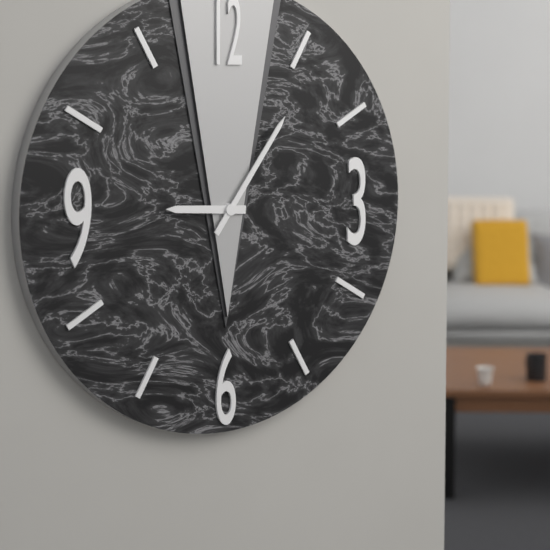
9:06
